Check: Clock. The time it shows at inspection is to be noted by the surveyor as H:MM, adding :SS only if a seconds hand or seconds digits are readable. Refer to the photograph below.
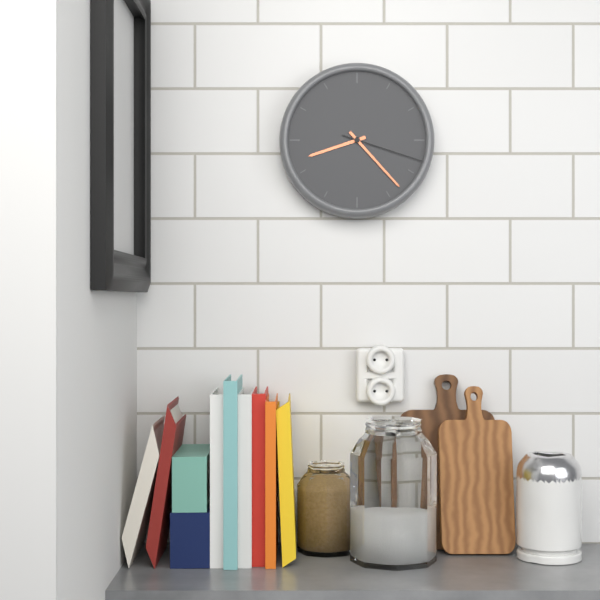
8:23:18
